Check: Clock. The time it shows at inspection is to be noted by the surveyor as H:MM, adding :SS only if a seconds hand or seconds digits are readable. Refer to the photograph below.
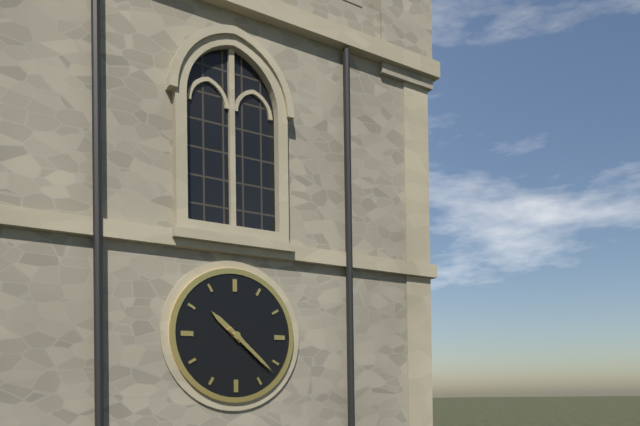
10:22
